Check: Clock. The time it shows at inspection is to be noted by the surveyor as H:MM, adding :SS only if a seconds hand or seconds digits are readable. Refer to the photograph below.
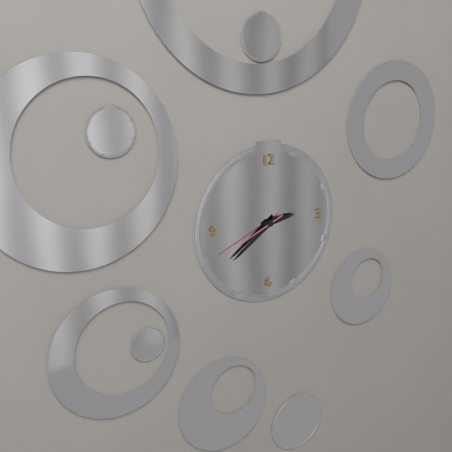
2:39:41
